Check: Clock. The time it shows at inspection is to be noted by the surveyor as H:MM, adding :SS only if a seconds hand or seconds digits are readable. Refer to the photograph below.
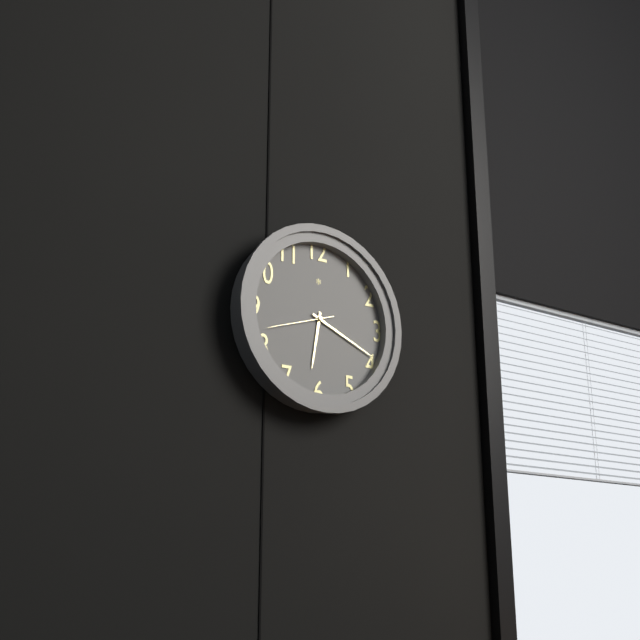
6:19:42
